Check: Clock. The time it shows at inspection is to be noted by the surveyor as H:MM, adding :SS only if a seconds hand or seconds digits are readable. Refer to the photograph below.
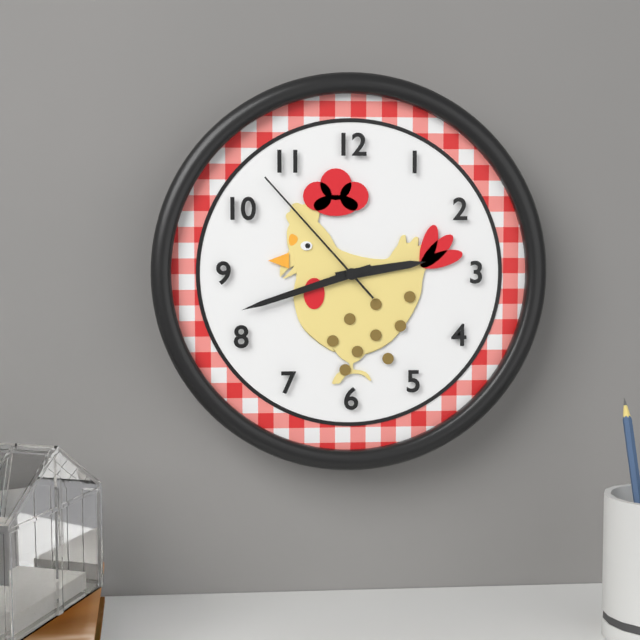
2:42:53
